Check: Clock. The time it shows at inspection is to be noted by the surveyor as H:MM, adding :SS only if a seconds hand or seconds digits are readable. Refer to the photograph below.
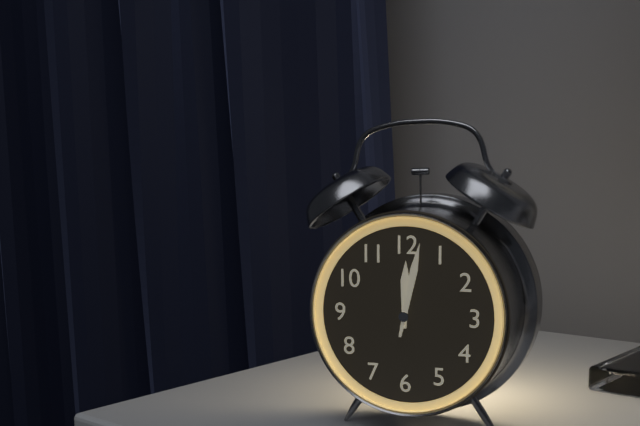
12:02
